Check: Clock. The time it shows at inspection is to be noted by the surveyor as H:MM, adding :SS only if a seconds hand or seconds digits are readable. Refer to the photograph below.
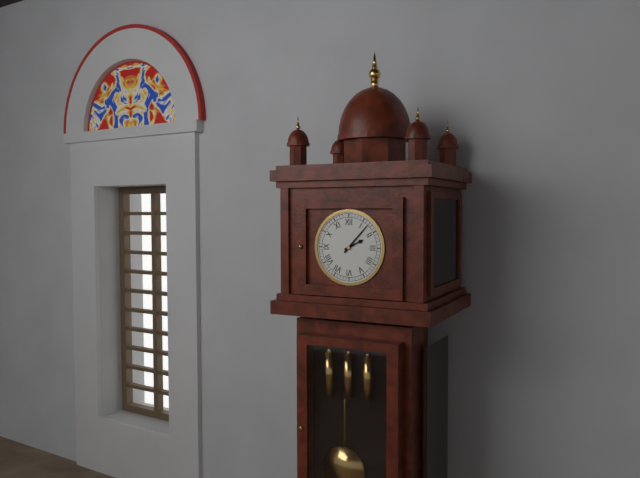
2:07
